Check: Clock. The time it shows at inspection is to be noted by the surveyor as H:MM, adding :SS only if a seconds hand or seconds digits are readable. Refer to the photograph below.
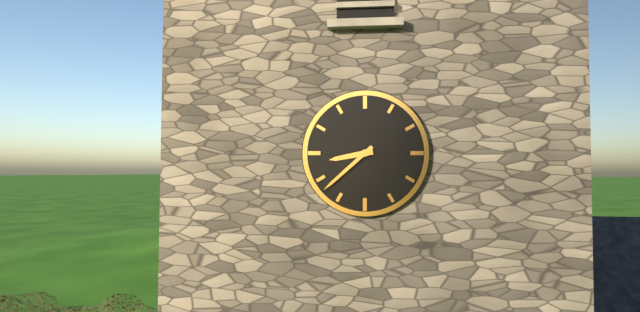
8:38
